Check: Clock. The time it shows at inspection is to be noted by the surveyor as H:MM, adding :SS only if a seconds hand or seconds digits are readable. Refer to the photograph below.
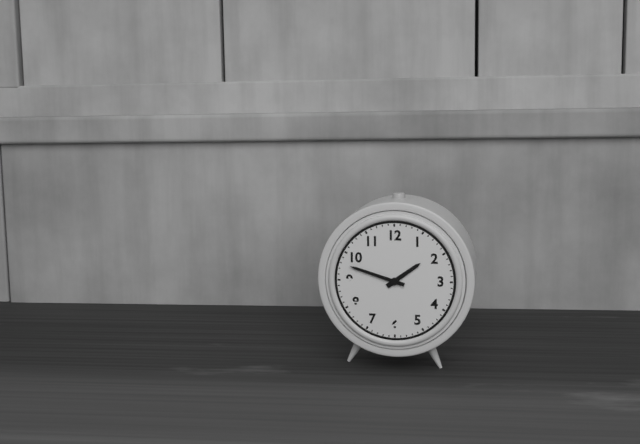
1:48
